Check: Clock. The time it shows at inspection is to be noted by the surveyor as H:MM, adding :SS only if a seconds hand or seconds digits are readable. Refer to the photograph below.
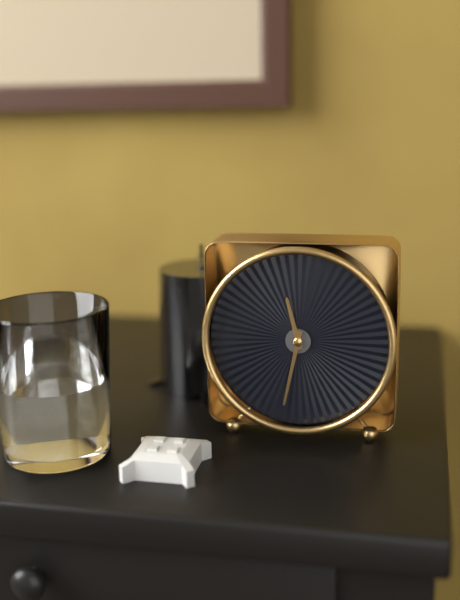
11:32
